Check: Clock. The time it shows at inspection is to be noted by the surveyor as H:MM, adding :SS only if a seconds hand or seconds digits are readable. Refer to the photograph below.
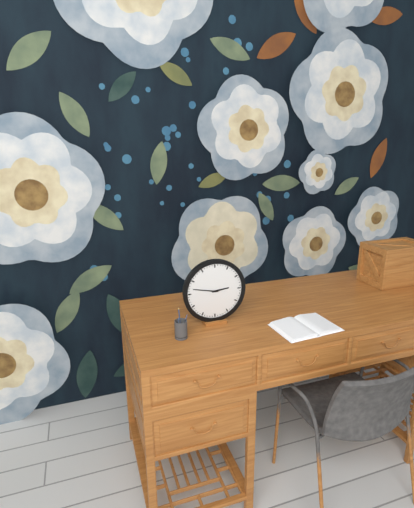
2:47
